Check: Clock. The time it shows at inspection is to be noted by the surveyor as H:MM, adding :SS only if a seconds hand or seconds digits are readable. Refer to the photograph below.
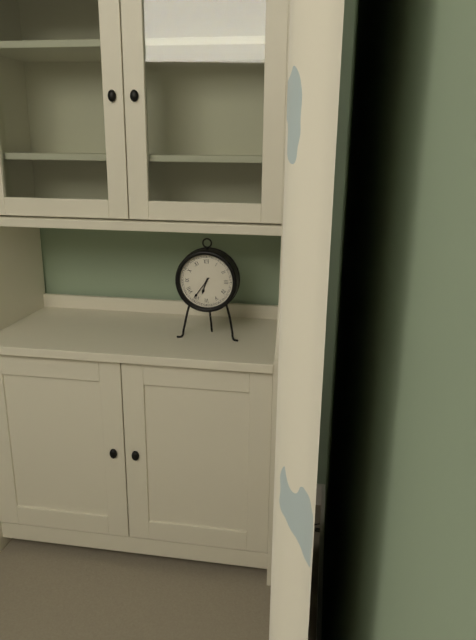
6:36
